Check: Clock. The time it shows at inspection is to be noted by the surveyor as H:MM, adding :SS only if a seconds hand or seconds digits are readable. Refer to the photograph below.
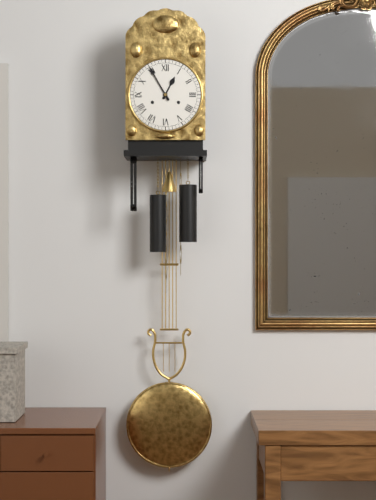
12:55
